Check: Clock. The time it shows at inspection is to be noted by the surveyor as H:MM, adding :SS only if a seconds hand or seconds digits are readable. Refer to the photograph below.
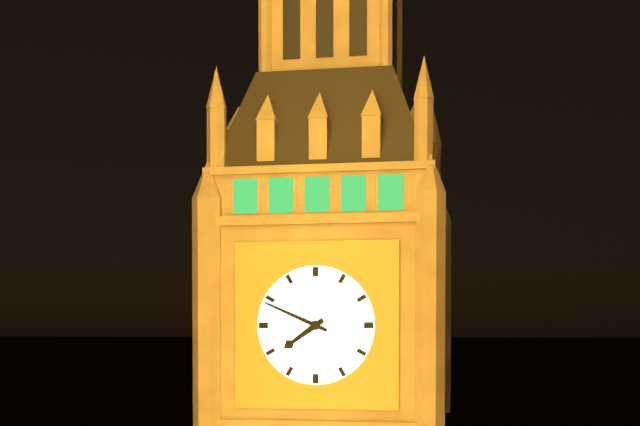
7:49
